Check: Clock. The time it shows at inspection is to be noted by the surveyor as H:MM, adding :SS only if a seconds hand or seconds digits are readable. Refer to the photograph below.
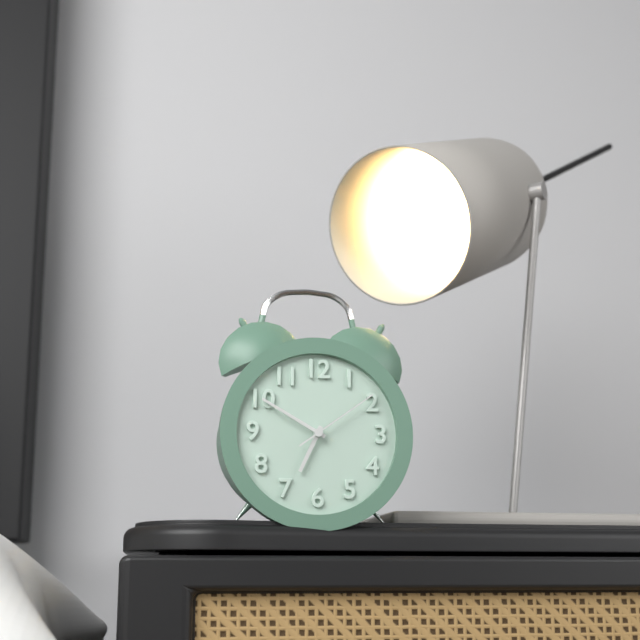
6:50:09
